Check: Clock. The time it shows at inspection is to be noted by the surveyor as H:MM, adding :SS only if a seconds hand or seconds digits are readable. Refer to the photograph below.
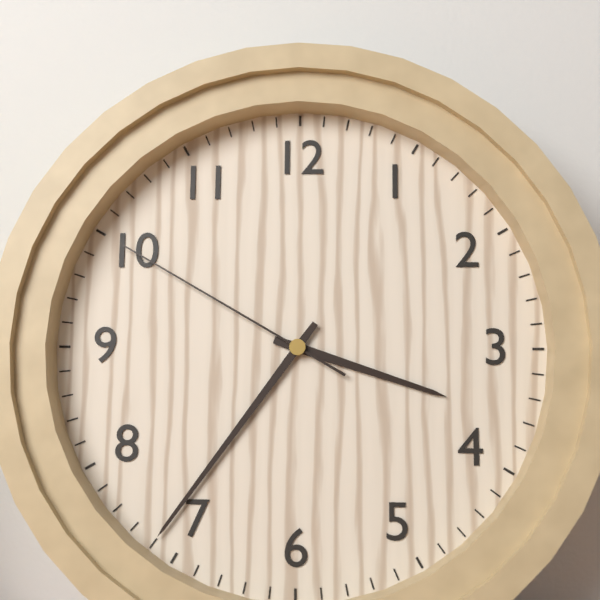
3:36:50
